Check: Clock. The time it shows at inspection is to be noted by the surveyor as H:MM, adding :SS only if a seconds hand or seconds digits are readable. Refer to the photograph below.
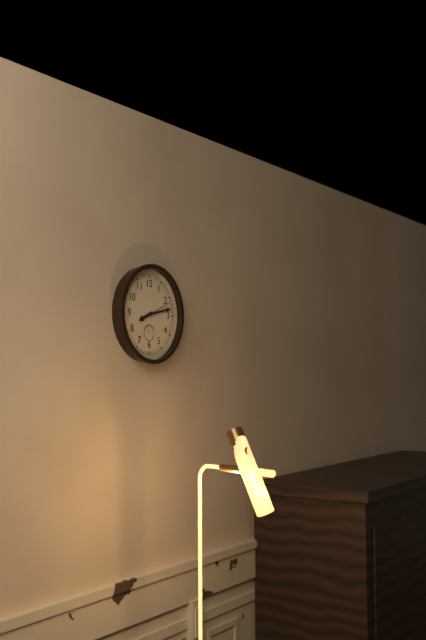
8:13
